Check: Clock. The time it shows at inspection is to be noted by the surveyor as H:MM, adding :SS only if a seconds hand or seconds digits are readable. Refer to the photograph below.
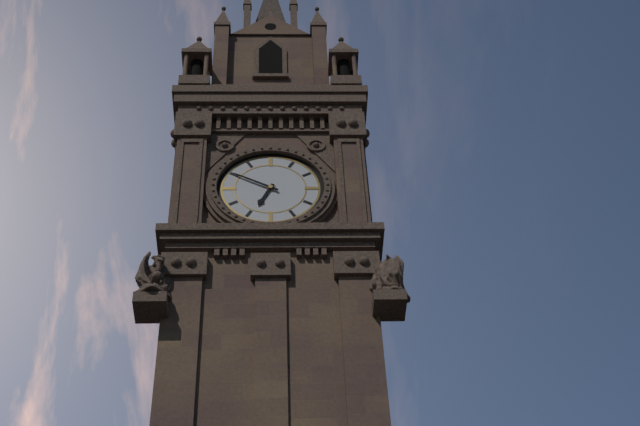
6:50
